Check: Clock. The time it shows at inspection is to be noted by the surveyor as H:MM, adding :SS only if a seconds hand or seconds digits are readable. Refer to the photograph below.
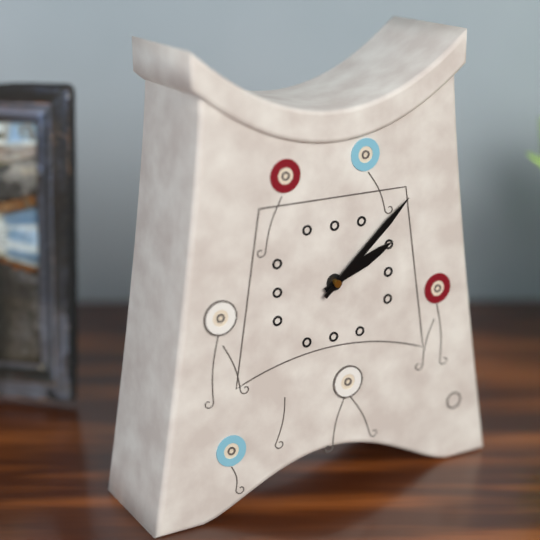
2:08
